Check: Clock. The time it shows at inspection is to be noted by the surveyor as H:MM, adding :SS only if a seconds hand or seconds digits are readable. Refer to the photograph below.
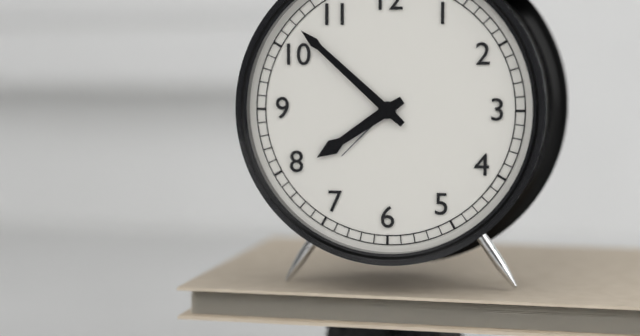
7:52
